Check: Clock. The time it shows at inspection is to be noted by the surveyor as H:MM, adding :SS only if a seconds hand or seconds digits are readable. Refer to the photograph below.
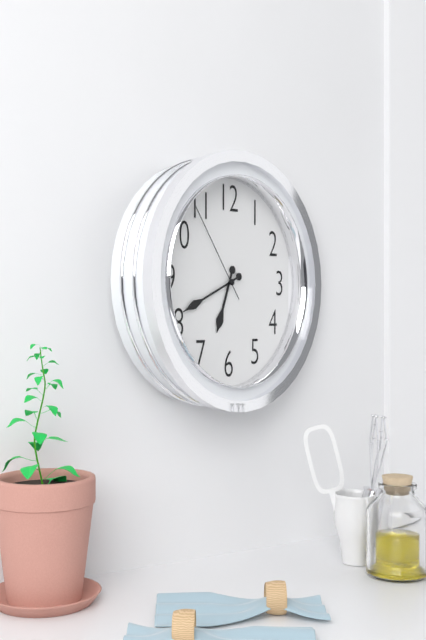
6:41:54
